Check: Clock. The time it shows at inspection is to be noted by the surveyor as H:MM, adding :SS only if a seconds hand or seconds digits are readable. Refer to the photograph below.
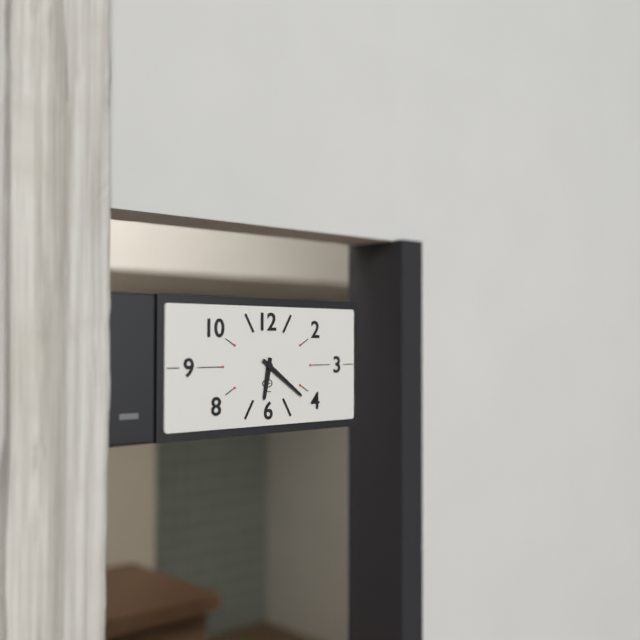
6:21
